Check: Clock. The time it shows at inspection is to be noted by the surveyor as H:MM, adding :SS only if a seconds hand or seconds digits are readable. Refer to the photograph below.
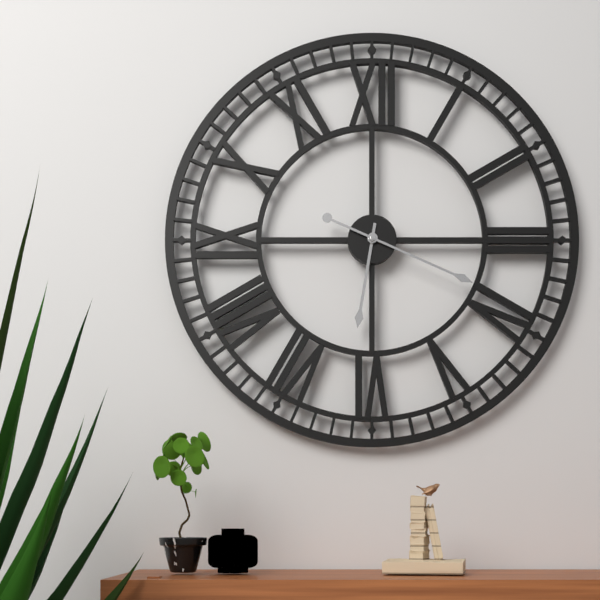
6:19
